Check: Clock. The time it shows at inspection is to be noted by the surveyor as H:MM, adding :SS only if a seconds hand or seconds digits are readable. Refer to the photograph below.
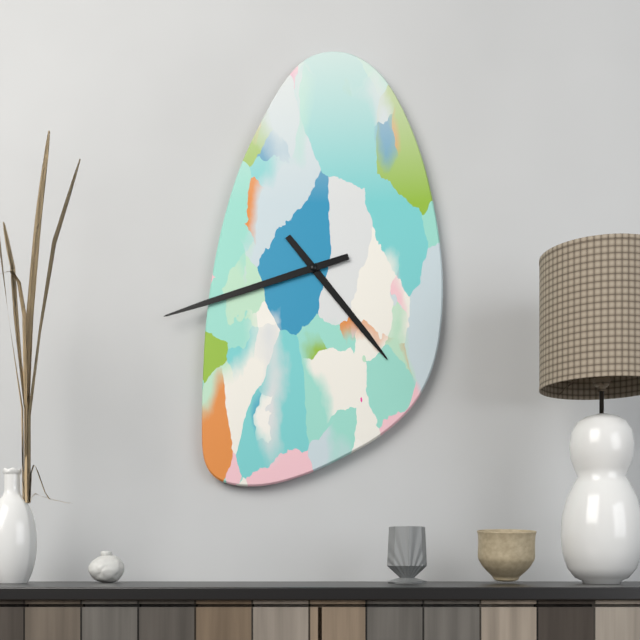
4:42
